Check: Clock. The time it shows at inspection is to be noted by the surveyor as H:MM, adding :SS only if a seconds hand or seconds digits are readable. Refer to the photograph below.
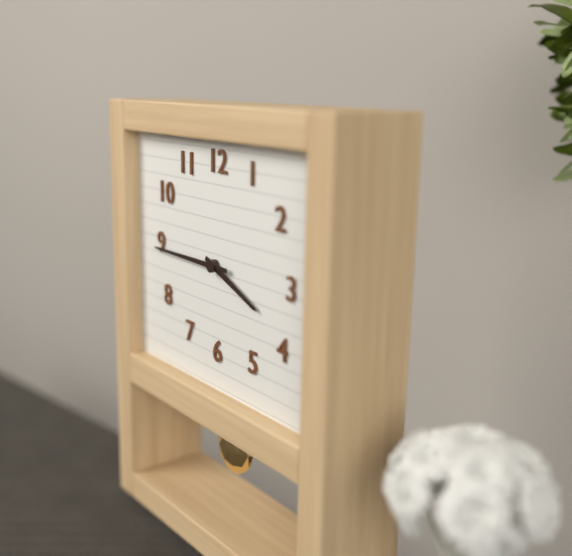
3:45
